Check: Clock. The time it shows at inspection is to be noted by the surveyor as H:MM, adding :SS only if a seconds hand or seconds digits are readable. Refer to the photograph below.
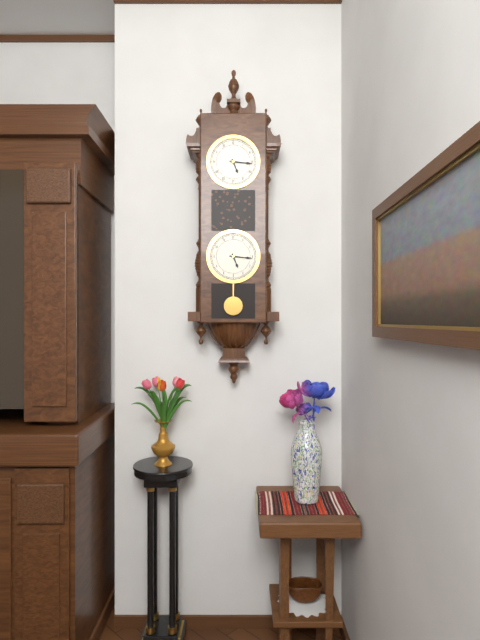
5:16
